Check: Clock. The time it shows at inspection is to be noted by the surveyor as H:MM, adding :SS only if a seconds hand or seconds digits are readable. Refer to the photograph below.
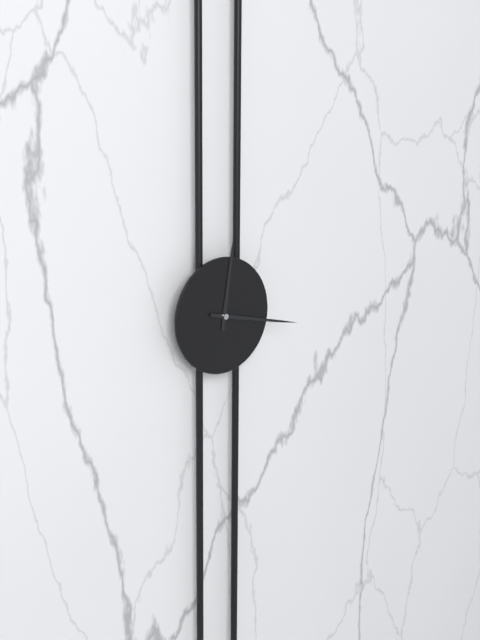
12:17
